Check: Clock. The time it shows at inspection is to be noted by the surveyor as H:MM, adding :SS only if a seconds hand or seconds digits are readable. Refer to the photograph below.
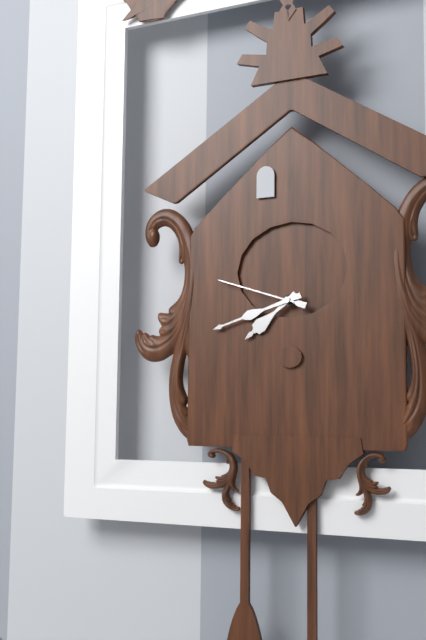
7:42:48
